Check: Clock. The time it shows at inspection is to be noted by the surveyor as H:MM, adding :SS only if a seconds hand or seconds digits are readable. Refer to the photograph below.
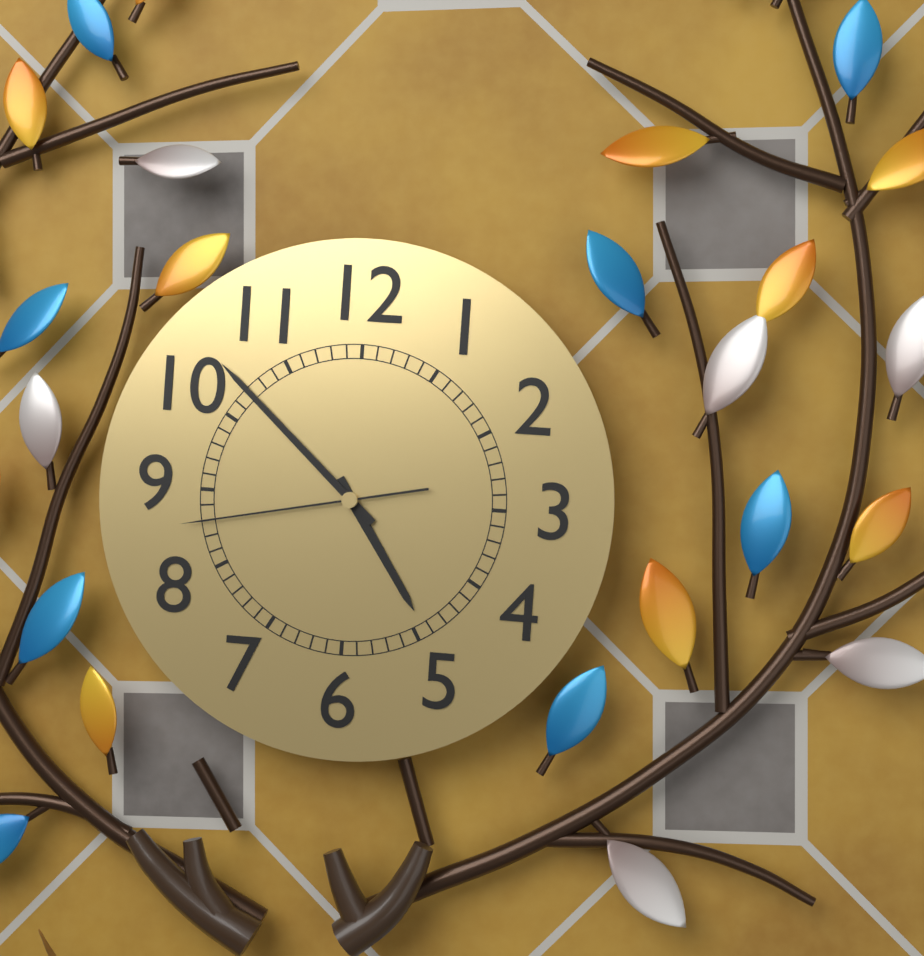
4:52:43
